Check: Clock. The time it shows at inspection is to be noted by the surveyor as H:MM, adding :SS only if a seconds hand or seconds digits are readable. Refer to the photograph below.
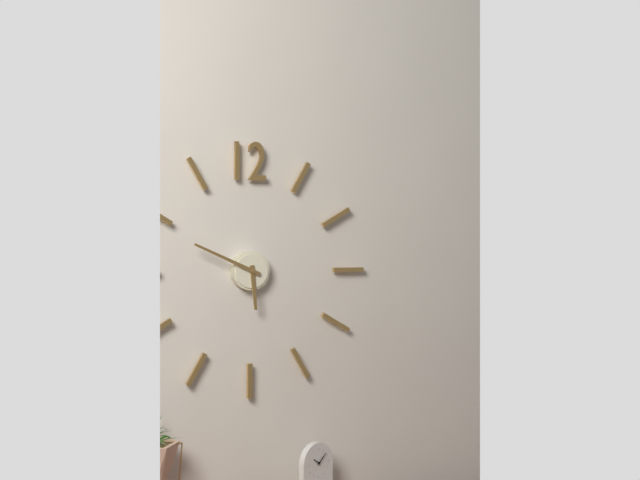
5:49
